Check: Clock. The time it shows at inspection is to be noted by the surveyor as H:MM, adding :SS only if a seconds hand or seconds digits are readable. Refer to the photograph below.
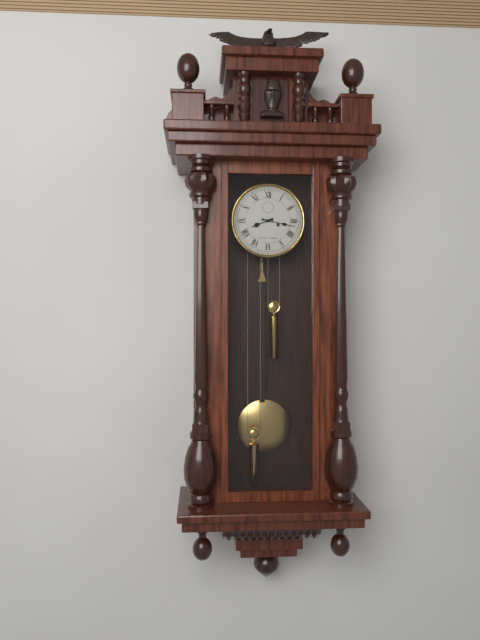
8:17
